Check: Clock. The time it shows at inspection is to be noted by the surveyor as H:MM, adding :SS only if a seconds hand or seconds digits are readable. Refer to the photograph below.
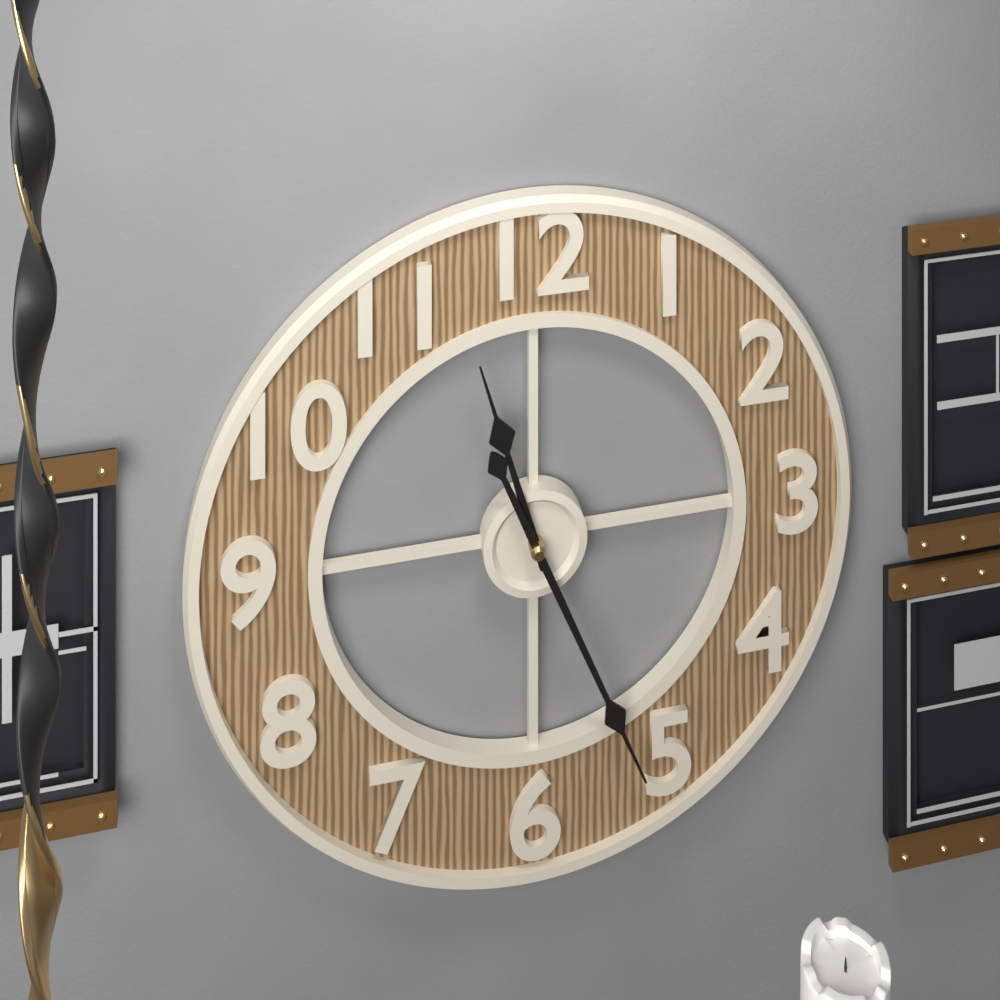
11:26
